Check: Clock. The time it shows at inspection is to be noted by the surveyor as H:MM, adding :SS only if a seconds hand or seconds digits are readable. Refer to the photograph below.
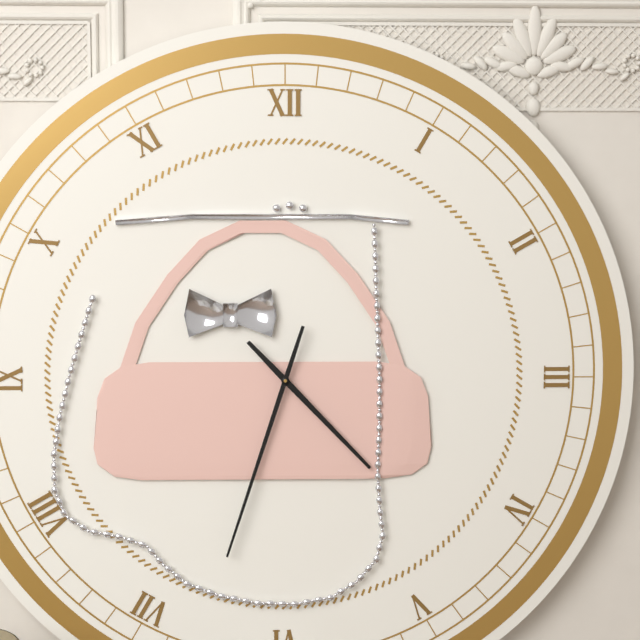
4:33
